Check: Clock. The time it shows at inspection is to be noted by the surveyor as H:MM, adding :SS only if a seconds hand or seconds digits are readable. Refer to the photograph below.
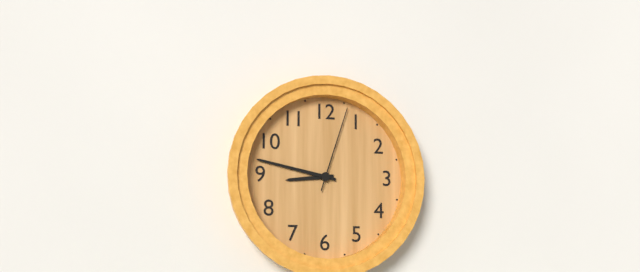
8:47:03
